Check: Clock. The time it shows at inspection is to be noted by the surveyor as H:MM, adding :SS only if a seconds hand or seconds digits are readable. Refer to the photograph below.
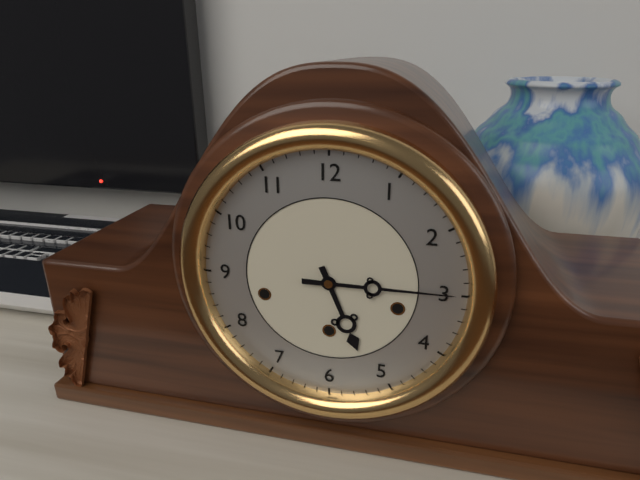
5:15
